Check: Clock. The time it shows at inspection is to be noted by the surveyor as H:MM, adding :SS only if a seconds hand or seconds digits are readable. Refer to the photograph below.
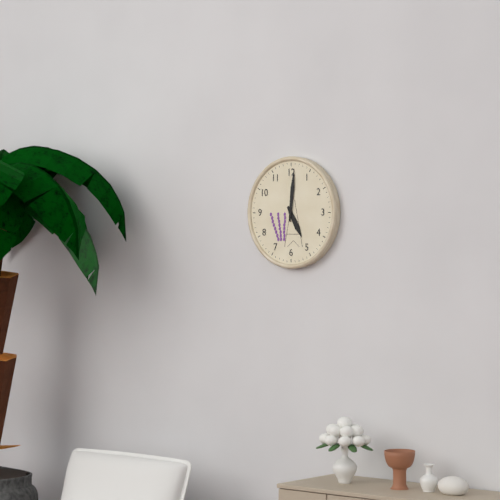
5:01
